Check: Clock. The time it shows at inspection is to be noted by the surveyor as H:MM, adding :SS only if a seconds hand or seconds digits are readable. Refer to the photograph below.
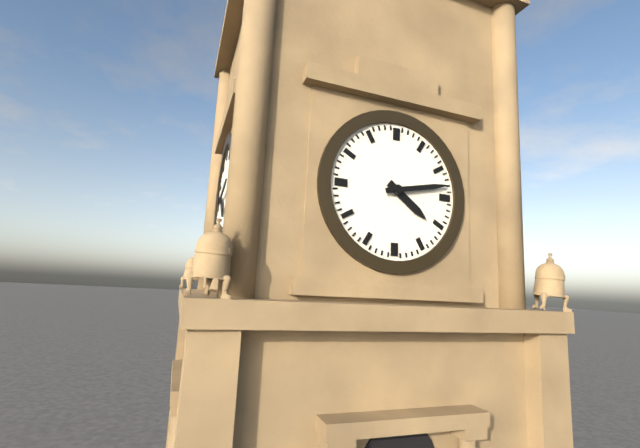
4:13
